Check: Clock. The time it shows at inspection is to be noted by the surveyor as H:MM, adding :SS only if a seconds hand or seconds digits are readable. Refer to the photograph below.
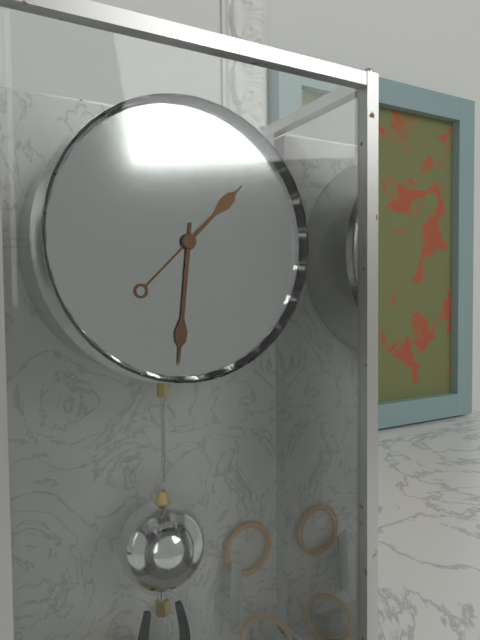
1:31
